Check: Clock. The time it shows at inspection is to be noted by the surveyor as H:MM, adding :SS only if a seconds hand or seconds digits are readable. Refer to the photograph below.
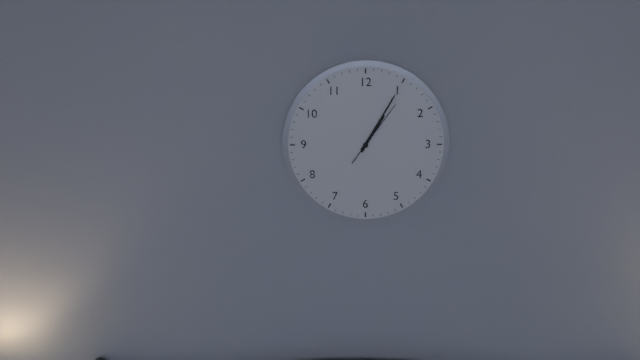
1:05:06
